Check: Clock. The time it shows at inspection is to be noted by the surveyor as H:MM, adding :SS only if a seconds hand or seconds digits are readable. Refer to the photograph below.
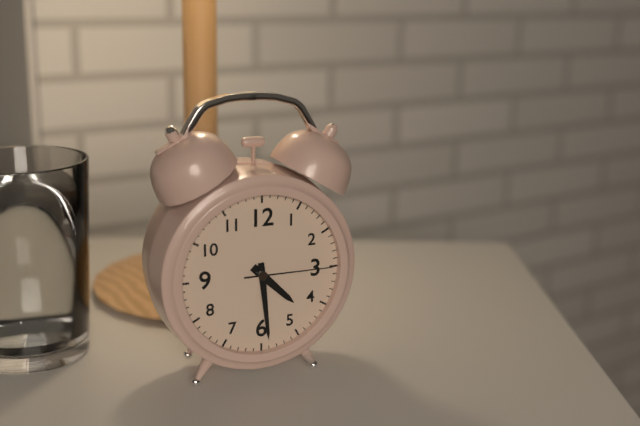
4:29:15
